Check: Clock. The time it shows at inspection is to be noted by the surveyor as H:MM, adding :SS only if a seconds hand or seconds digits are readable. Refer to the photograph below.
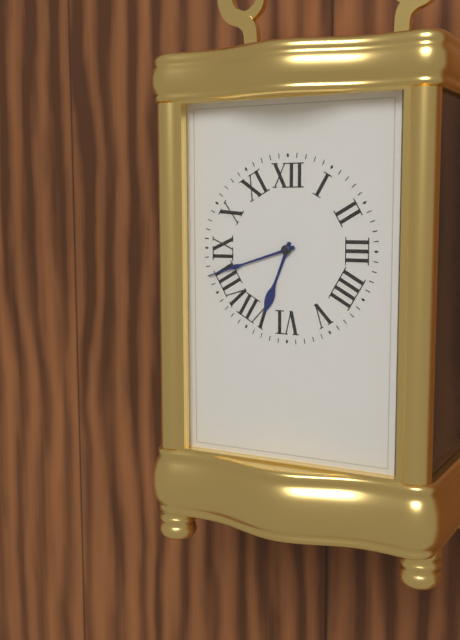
6:42
